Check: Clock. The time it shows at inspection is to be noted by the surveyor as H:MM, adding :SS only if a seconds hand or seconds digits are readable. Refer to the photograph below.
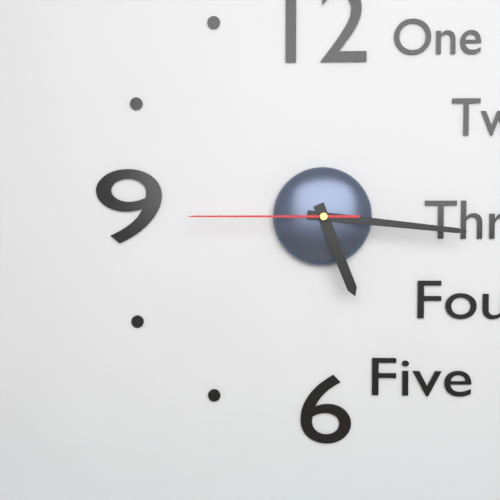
5:16:45
